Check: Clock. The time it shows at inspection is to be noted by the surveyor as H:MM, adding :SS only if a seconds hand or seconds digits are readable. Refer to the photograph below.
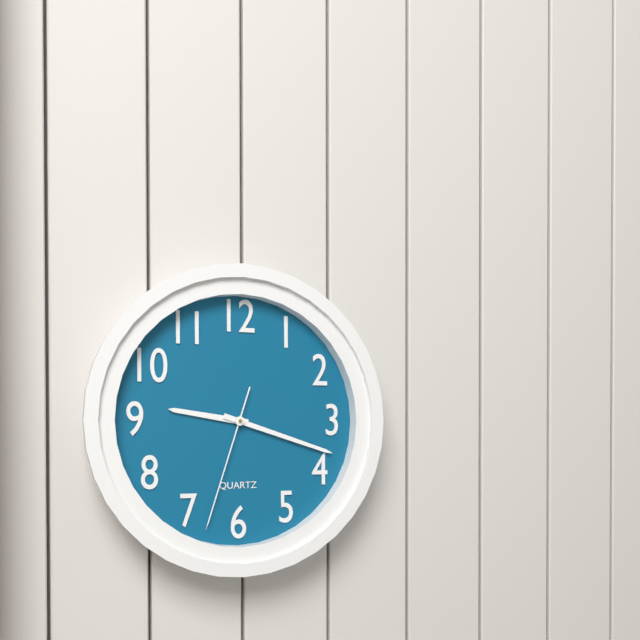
9:18:33
